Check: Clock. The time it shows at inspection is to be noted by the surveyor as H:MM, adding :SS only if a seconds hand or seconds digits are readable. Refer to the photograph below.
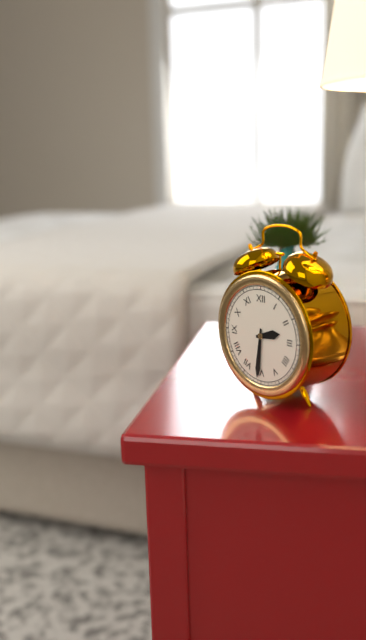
2:31
